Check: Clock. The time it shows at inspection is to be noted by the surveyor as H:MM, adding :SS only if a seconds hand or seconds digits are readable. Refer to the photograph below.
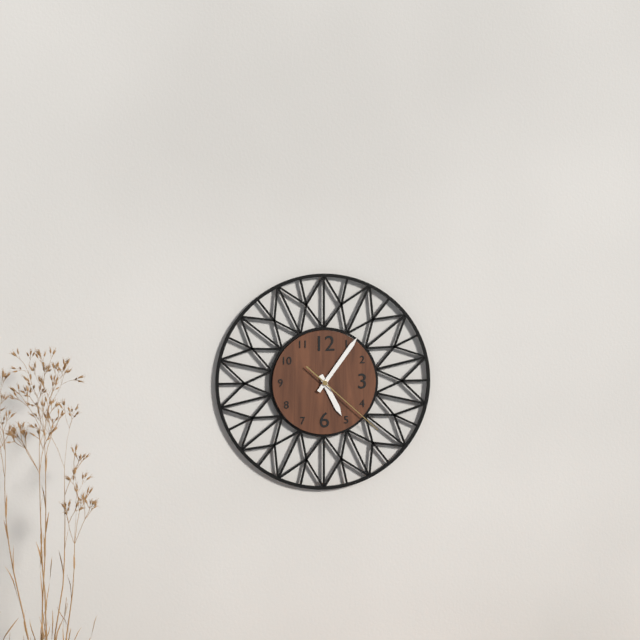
5:06:22
